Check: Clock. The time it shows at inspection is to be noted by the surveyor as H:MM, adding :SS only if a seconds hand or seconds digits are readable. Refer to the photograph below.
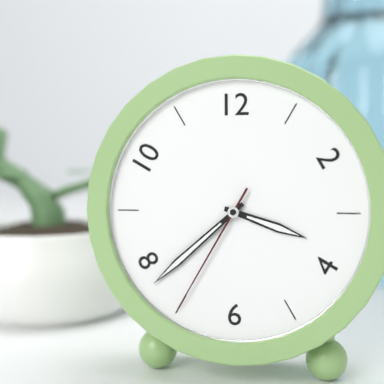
3:38:35
